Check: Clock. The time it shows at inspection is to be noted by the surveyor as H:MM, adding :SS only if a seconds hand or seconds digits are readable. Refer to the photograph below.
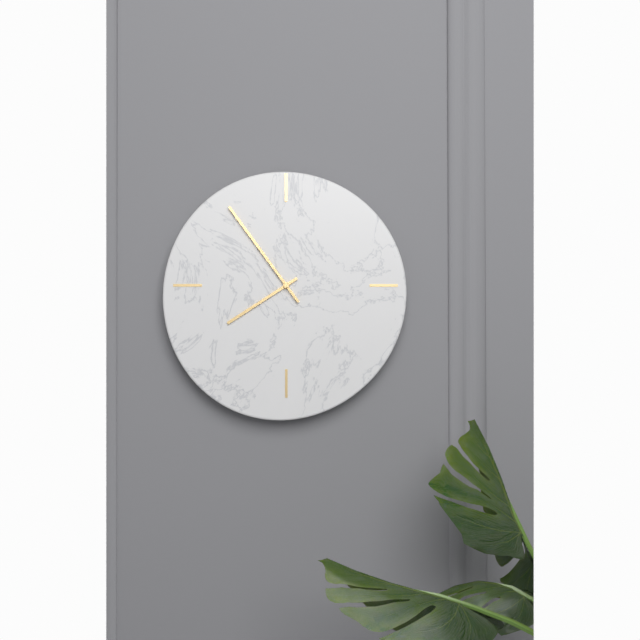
7:54
